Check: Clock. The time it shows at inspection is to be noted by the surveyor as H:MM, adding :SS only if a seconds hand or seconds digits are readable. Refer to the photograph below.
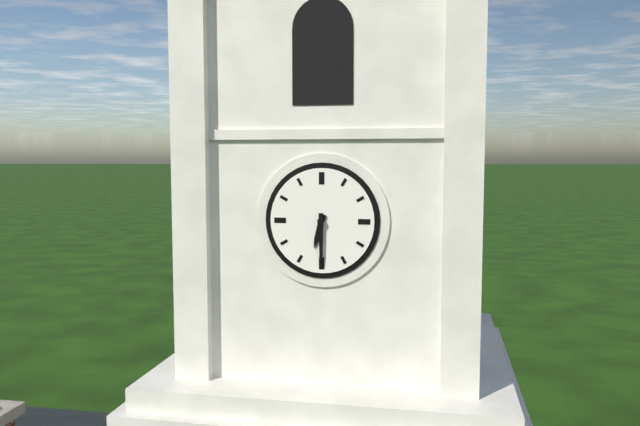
6:30
